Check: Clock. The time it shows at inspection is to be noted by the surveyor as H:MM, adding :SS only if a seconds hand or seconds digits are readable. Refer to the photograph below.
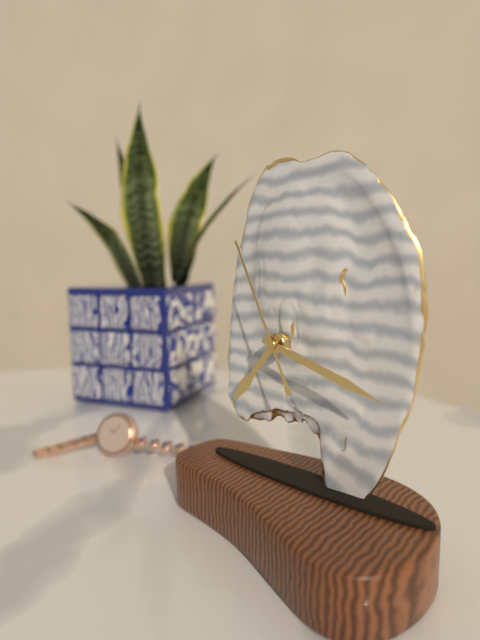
7:18:56
